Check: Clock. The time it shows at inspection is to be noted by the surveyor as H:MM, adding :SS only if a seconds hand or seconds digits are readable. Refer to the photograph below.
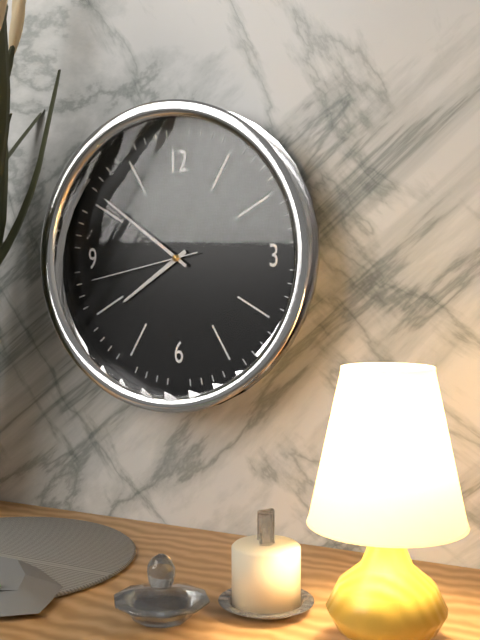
7:51:43
